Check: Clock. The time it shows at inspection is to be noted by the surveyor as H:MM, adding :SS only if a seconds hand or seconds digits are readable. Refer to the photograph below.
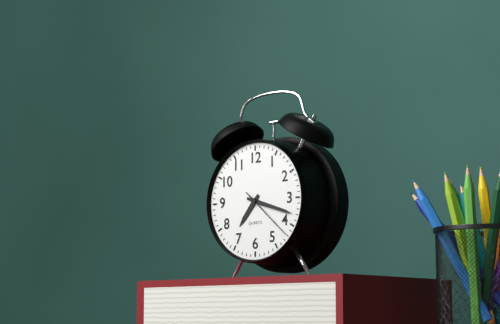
7:18:22
